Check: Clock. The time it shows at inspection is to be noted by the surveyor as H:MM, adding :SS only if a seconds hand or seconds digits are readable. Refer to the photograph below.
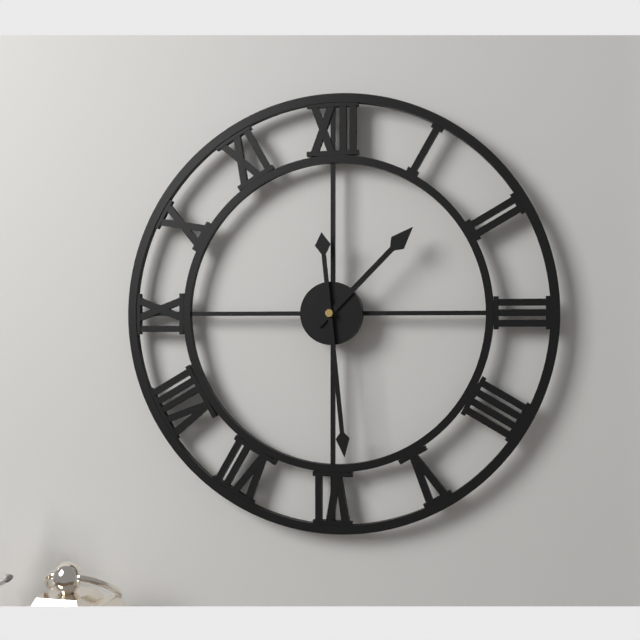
1:29
